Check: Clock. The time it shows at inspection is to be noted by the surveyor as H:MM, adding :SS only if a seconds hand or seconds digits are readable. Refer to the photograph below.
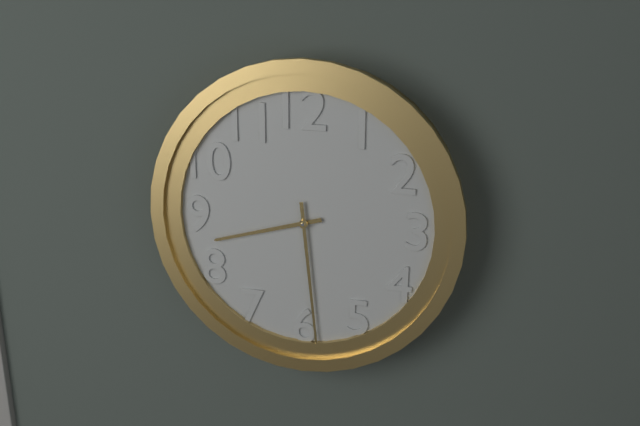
8:29
